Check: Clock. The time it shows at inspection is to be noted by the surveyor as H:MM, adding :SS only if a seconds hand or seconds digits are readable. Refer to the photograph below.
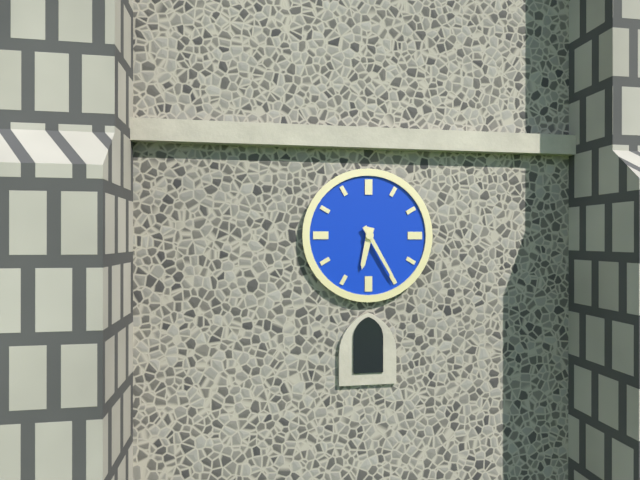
6:25
